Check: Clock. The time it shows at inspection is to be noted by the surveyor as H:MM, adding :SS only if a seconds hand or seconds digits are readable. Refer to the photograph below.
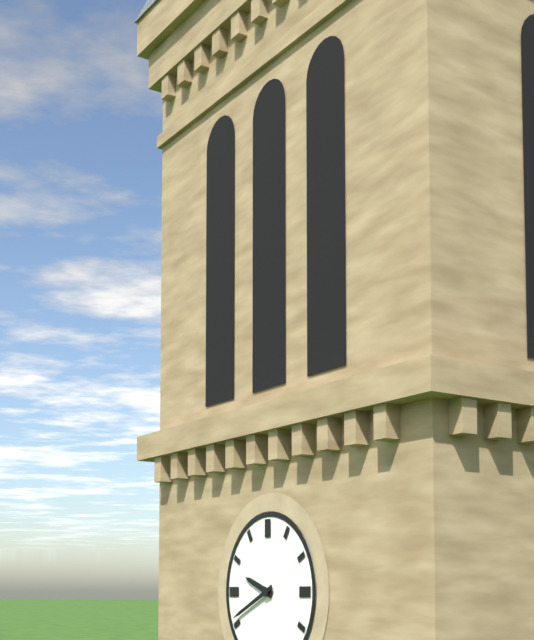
9:41
